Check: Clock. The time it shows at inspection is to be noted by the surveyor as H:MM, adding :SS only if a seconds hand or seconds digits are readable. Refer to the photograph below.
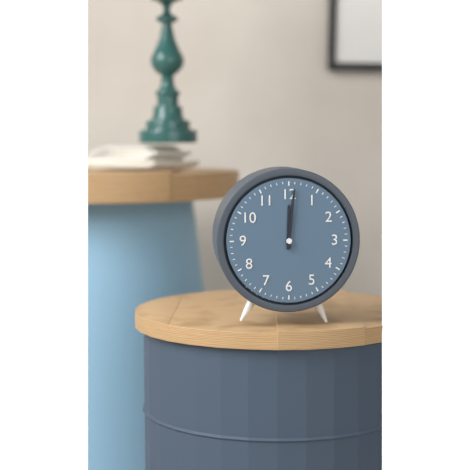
12:01
